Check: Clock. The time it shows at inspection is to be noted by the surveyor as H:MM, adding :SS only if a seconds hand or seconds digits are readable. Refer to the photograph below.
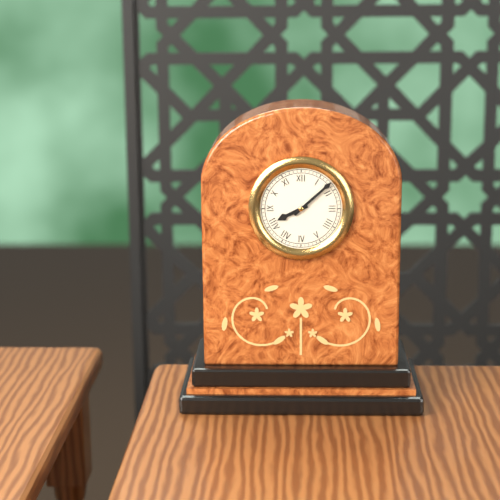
8:08
